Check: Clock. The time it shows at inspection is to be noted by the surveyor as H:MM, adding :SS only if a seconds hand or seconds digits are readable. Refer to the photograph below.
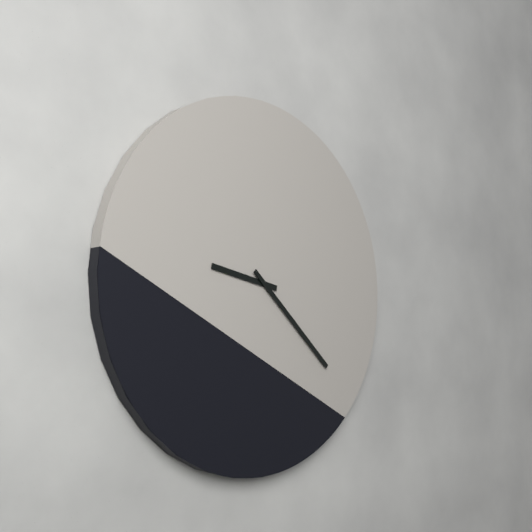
9:22
